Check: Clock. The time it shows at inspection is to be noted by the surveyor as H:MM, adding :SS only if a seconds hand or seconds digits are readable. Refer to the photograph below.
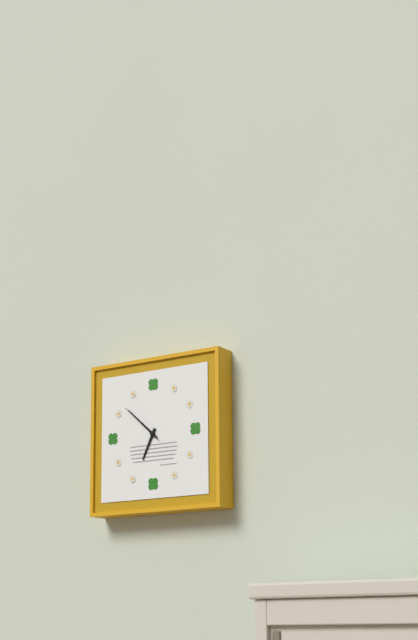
6:52
